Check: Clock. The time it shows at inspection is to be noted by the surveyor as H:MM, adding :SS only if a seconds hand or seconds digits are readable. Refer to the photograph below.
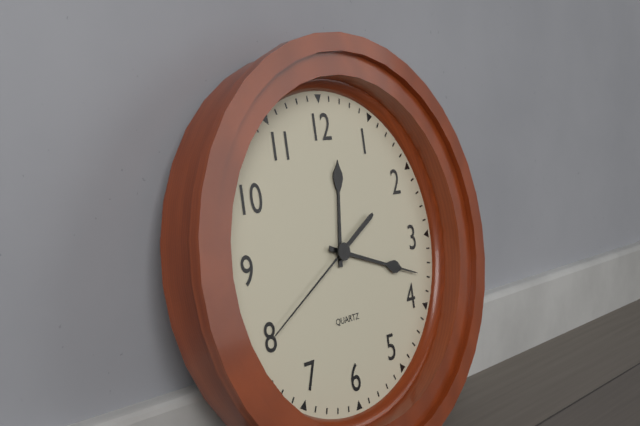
12:18:40
